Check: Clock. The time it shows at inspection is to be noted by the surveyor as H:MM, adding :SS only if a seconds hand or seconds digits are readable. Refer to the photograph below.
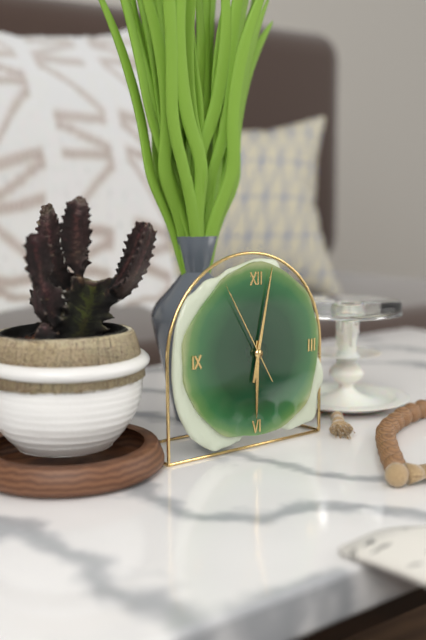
6:02:55
